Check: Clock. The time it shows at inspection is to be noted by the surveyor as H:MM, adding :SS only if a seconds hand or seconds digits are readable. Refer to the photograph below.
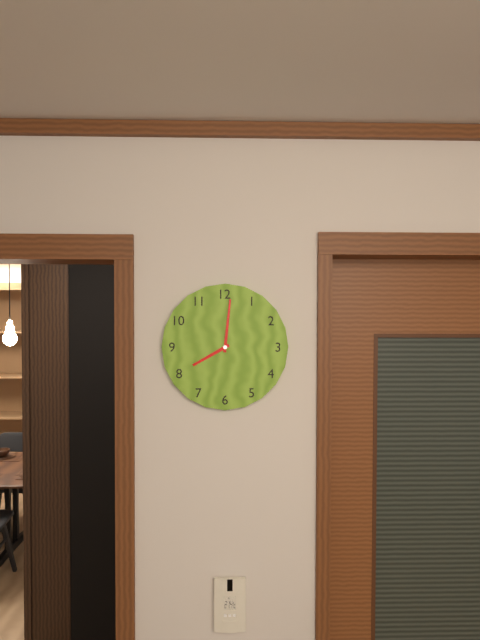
8:01
